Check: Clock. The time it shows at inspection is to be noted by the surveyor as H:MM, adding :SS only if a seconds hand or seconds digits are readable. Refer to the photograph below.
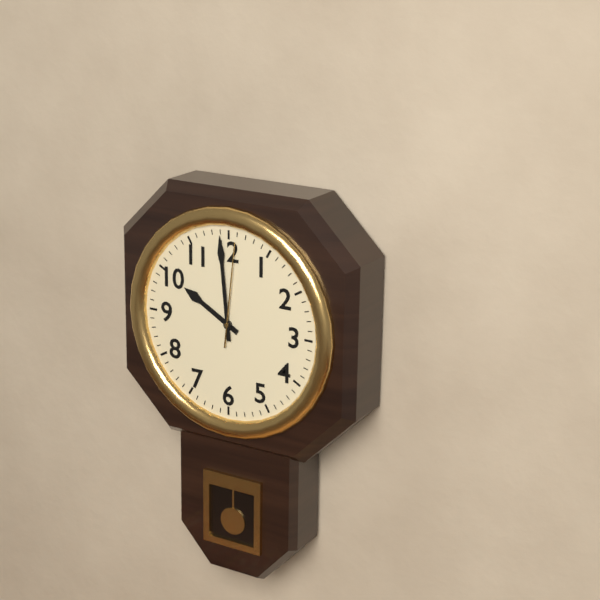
9:59:01
